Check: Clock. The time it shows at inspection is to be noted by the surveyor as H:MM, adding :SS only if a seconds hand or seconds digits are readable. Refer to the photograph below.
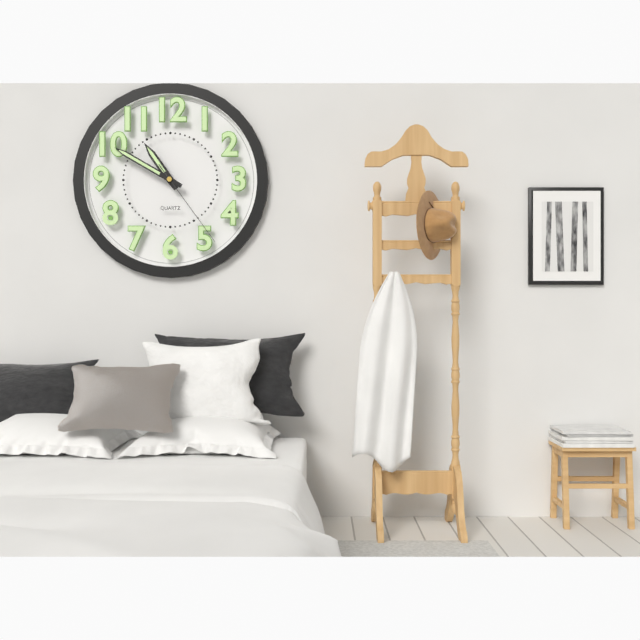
10:50:24
